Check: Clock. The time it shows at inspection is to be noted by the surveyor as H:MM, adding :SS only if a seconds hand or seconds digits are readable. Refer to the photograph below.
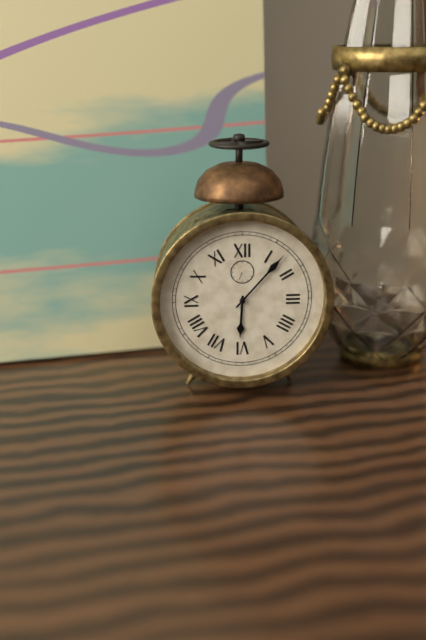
6:07
